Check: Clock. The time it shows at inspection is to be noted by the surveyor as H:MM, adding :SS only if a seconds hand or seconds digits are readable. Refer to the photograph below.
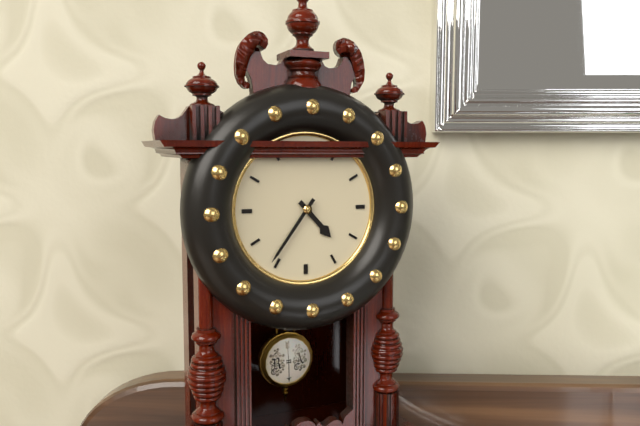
4:36
